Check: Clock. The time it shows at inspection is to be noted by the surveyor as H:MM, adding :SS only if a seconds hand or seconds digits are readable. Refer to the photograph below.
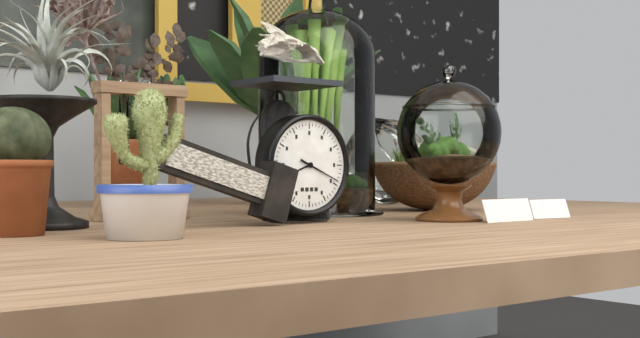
8:19
